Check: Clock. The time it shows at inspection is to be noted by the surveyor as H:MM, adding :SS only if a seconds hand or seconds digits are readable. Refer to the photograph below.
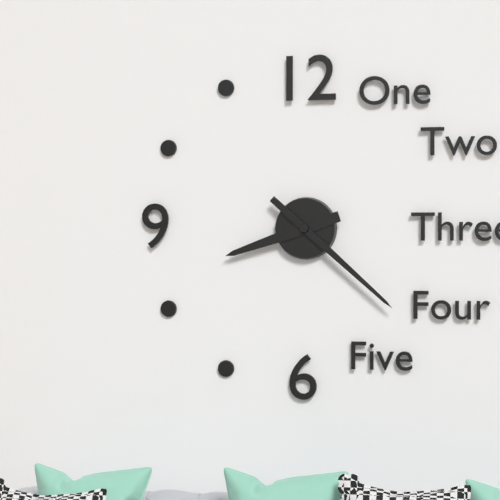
8:22
